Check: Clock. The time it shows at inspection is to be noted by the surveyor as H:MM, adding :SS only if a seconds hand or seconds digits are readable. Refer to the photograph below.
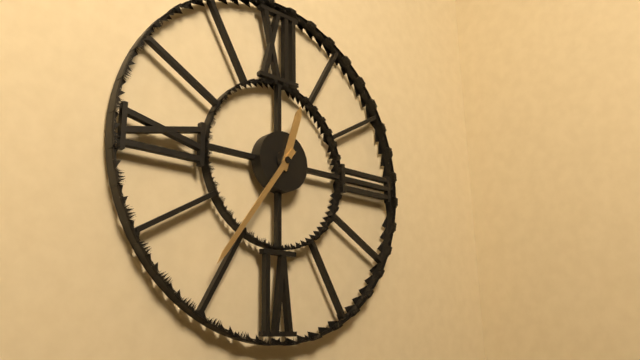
12:36
